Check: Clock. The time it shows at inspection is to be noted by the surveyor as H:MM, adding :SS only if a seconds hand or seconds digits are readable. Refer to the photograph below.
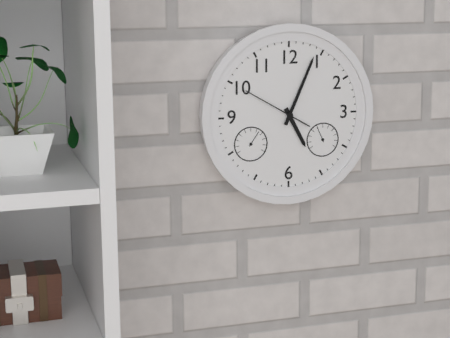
5:04:50
